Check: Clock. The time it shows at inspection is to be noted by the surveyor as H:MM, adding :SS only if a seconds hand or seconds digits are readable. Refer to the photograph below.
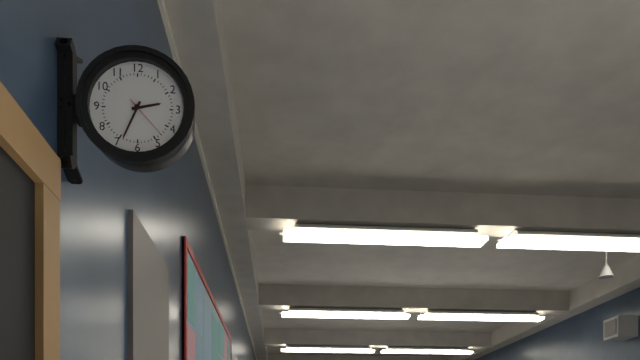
2:34
